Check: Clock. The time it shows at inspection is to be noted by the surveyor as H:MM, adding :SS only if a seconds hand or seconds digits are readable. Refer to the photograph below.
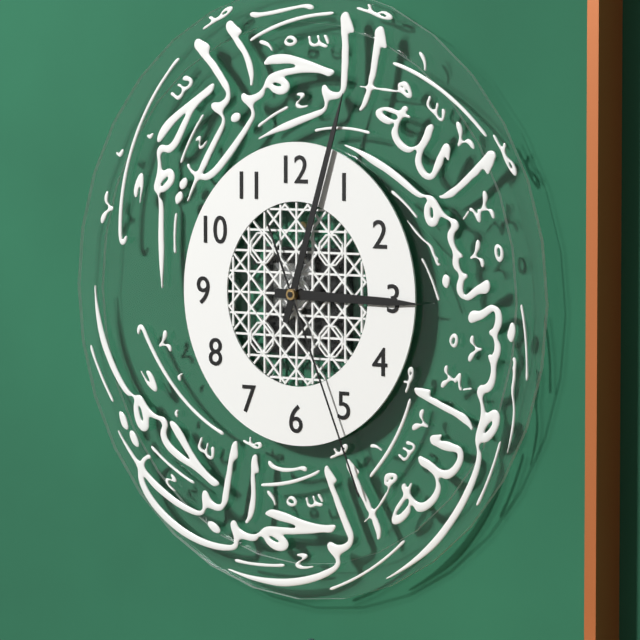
3:03:26
